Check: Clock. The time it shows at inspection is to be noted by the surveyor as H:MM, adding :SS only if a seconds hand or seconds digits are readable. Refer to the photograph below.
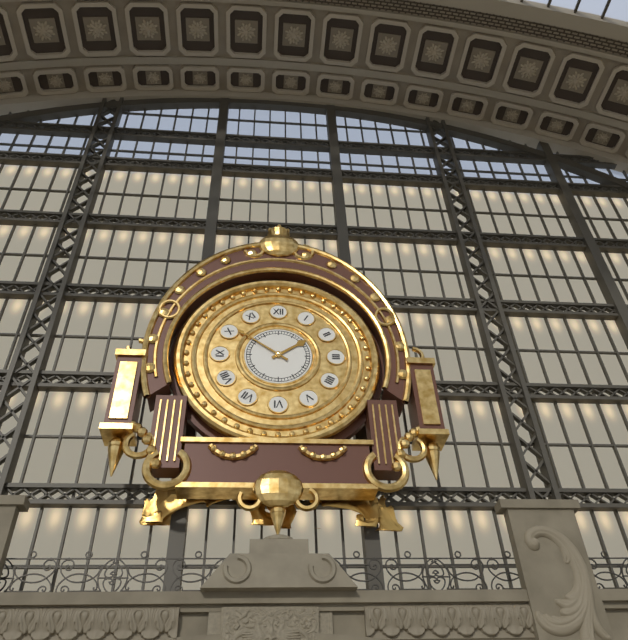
1:51
